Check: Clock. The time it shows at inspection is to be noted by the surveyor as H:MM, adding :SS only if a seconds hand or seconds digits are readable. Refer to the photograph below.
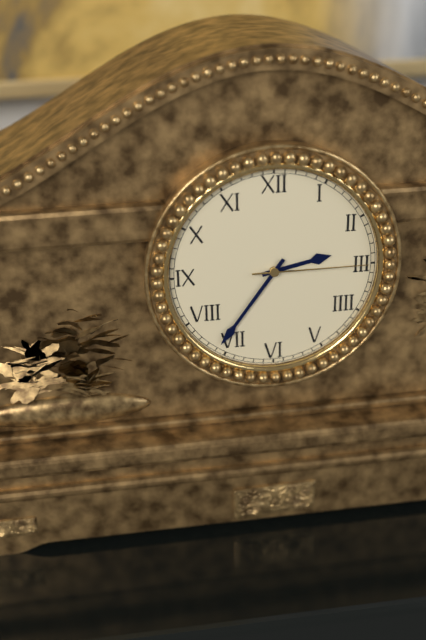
2:36:15
